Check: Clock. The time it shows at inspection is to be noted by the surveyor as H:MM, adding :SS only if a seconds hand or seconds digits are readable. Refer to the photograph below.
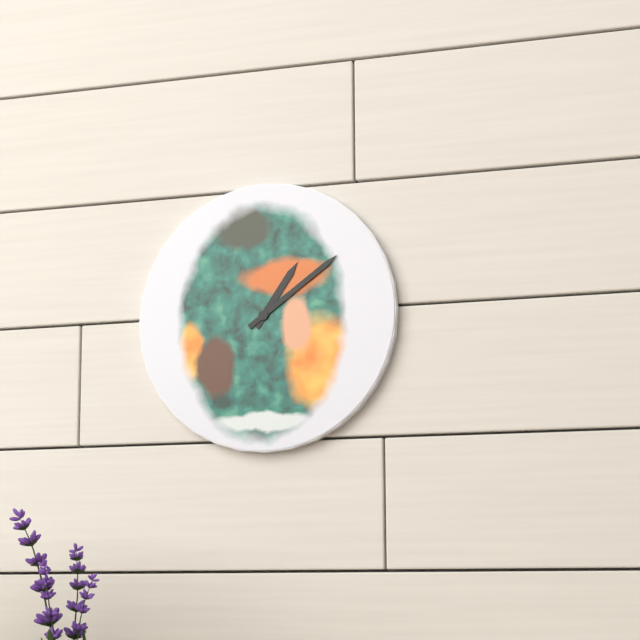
1:09
